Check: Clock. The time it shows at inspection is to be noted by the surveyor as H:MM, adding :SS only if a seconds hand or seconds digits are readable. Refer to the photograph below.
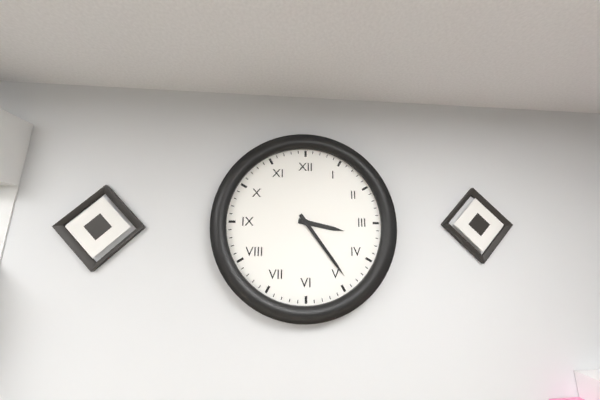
3:24
